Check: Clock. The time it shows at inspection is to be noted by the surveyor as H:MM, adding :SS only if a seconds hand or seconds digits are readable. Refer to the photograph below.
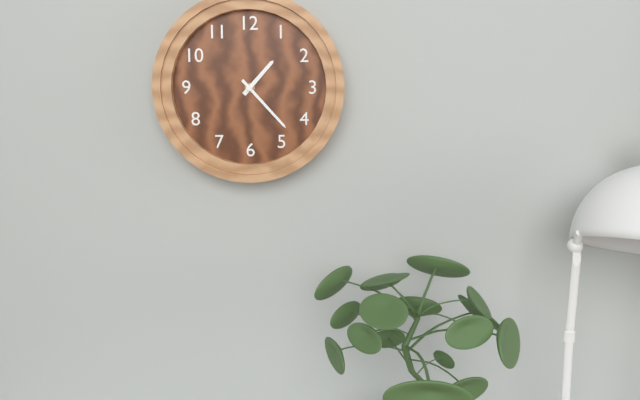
1:23
